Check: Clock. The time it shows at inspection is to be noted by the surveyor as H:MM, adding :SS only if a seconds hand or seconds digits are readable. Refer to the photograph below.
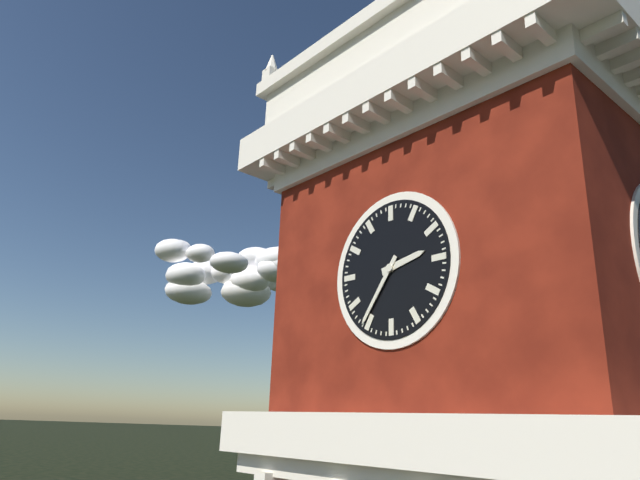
2:36
